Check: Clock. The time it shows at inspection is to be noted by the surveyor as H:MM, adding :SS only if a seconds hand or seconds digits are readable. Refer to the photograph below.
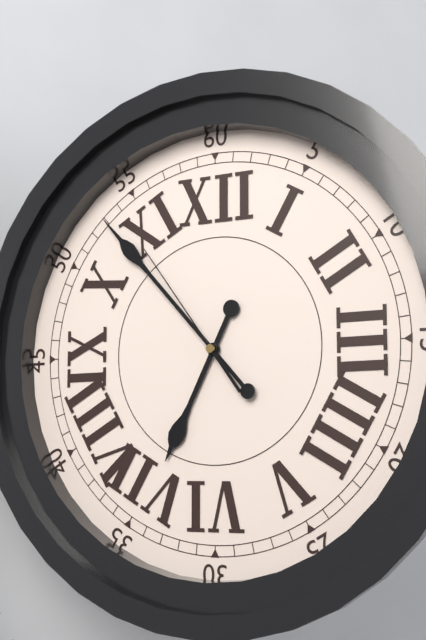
6:53:54
